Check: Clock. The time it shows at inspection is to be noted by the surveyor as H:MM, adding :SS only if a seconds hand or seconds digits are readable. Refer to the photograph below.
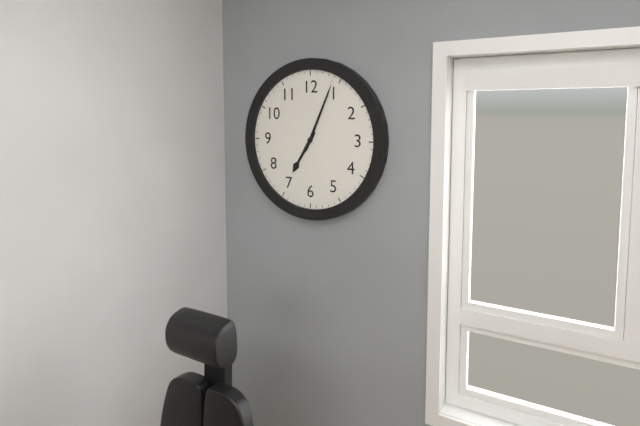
7:04
